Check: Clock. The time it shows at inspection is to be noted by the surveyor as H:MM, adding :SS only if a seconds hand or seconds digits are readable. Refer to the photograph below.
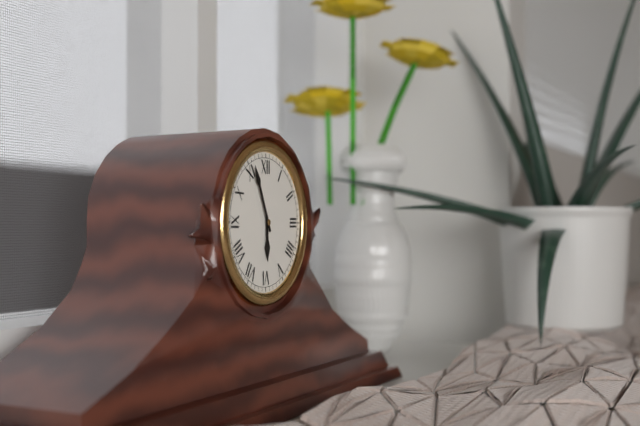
5:56
